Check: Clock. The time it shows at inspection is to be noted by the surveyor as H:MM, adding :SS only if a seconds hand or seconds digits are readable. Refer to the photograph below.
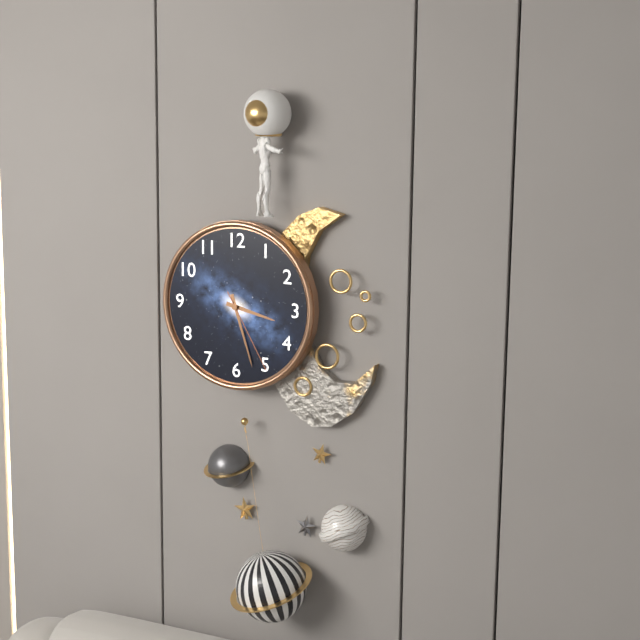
3:27:25
